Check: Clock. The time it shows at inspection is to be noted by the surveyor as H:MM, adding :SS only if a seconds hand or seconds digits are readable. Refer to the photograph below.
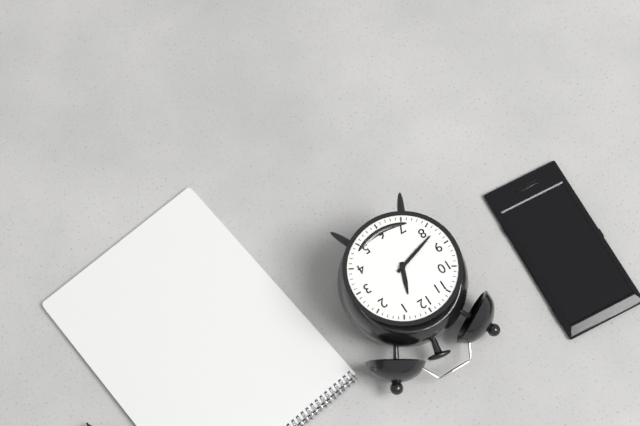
12:42
